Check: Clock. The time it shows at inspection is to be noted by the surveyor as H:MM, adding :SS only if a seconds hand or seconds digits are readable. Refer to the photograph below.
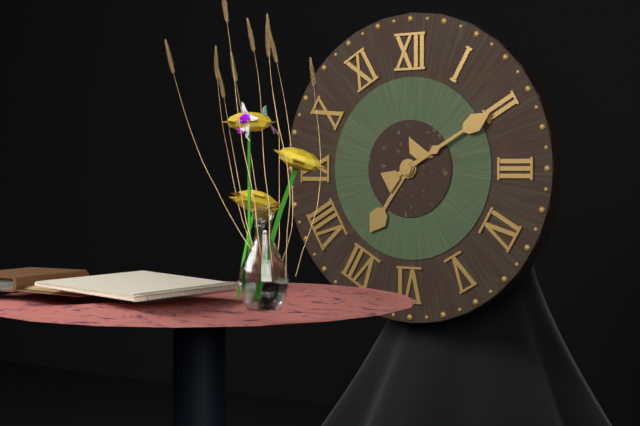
7:10
